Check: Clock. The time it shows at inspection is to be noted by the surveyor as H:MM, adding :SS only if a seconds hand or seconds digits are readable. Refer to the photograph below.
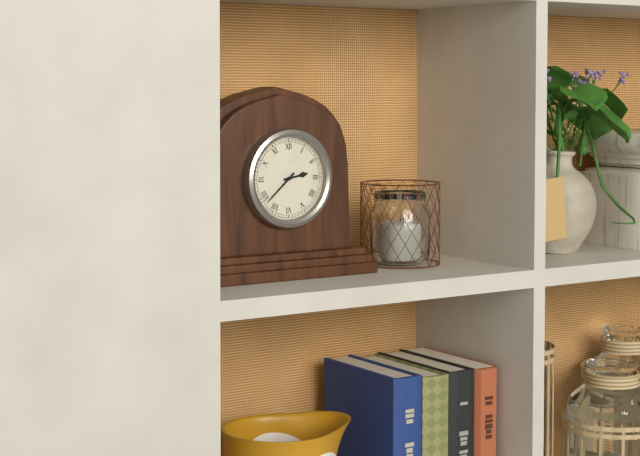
2:38
